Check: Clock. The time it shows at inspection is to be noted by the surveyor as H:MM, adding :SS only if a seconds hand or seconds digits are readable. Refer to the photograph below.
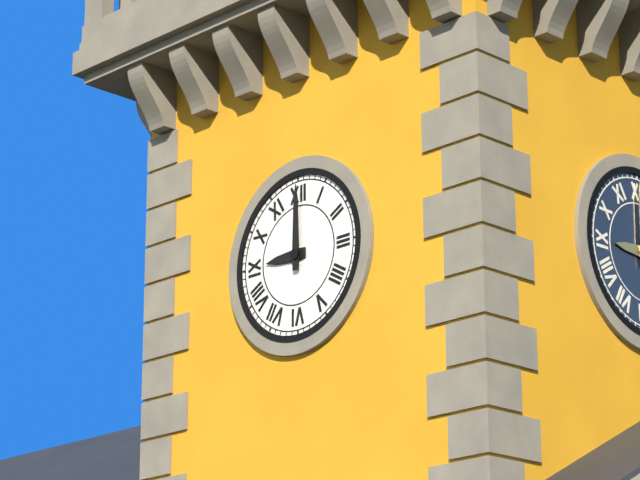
9:00
